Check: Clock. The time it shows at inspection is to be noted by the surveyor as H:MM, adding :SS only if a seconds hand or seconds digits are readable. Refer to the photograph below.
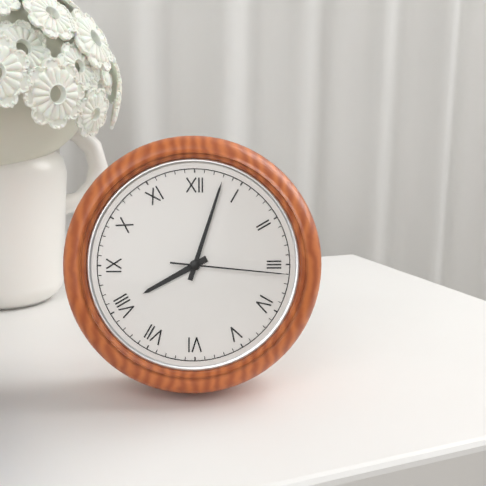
8:03:16
